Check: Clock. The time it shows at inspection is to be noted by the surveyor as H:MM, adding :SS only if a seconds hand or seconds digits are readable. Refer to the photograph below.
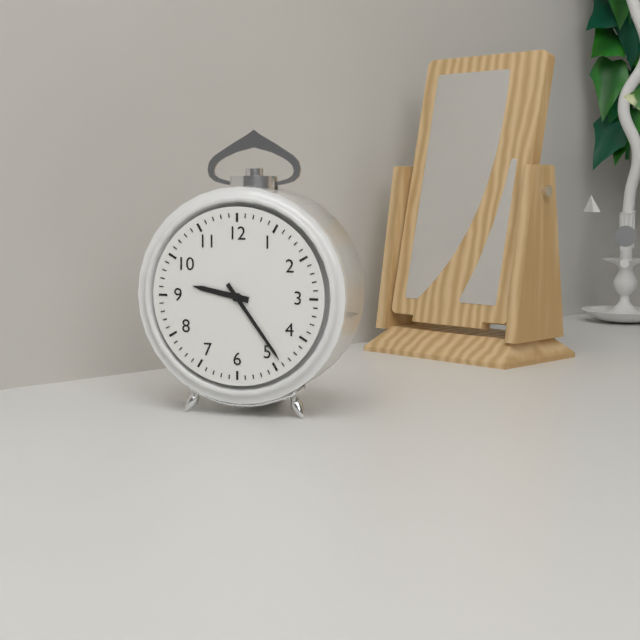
9:24
